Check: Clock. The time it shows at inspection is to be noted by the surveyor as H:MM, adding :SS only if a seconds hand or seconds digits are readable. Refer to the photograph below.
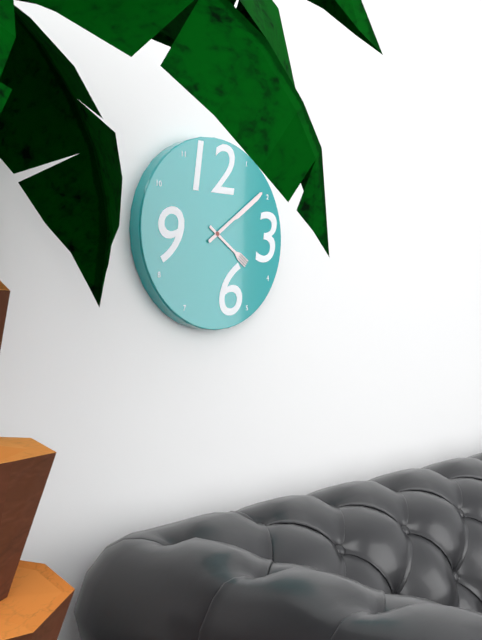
4:09
